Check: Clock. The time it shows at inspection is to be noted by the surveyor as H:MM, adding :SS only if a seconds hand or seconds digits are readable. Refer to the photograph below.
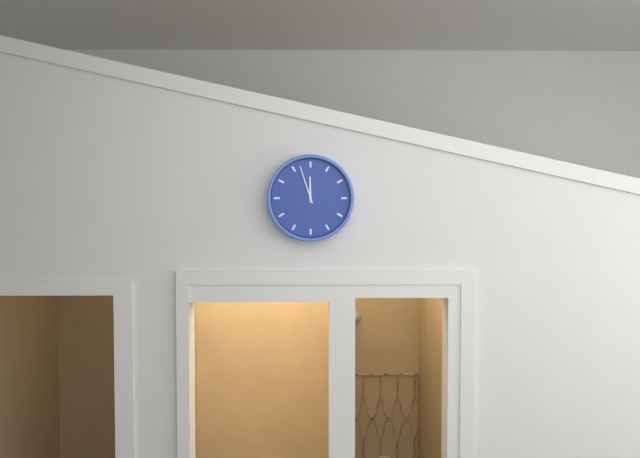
11:57
